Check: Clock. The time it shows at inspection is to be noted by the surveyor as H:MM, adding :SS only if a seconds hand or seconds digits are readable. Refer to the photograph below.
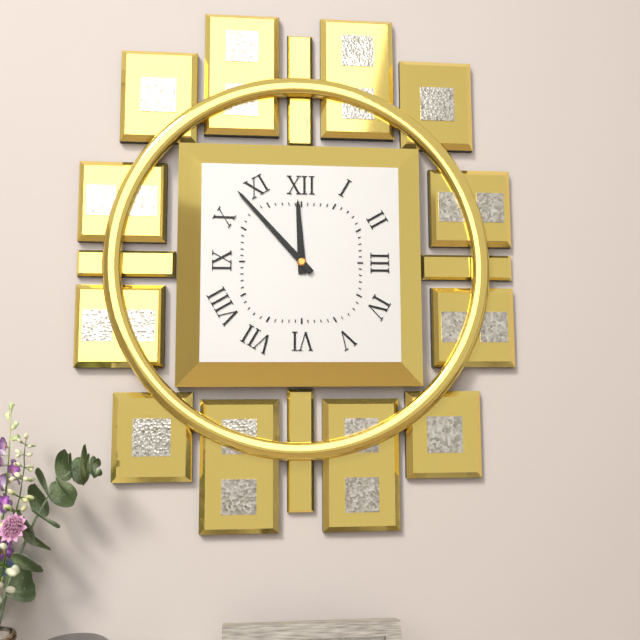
11:53
